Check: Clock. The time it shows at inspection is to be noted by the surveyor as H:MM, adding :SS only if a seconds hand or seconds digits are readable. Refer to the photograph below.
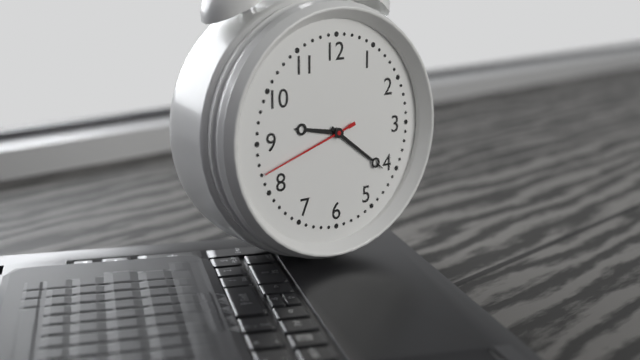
9:21:42
